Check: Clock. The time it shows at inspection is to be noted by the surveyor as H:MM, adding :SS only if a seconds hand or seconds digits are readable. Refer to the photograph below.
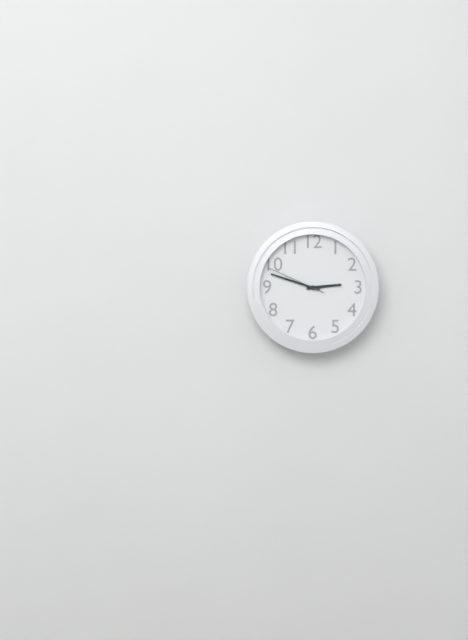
2:48:49
